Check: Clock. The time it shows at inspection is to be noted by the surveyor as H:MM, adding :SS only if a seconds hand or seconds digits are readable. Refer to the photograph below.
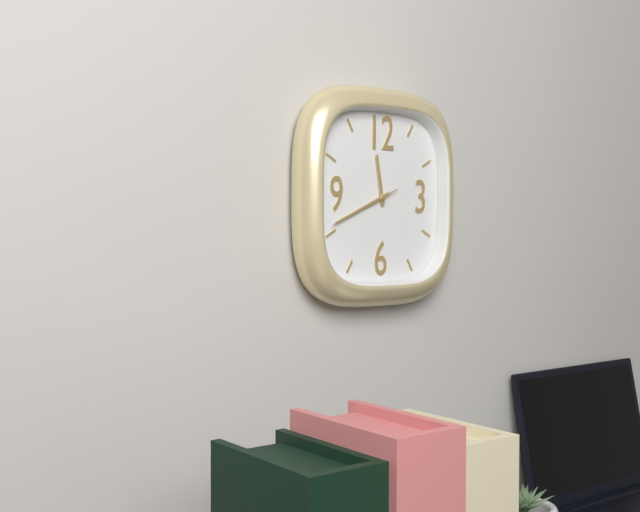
11:41:41
